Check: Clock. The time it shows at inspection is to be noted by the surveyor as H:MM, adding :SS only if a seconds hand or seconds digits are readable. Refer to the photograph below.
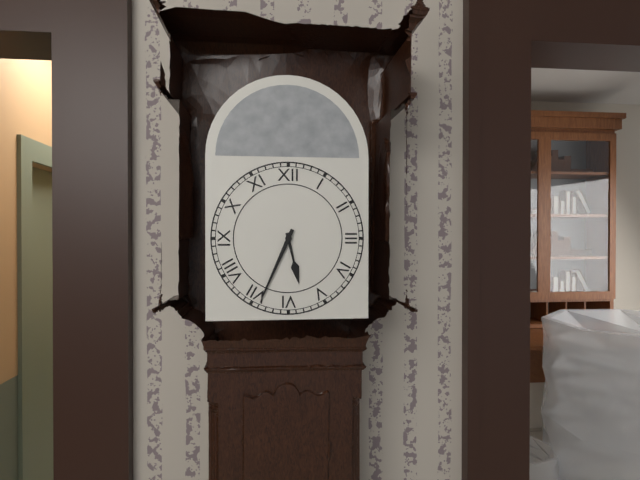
5:34
